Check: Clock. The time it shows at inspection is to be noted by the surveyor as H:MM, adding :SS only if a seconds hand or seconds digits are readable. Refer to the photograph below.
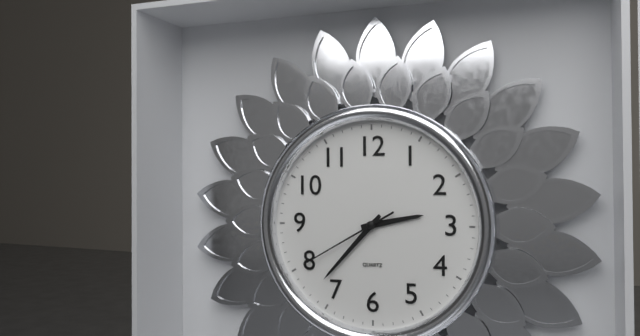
2:37:40
